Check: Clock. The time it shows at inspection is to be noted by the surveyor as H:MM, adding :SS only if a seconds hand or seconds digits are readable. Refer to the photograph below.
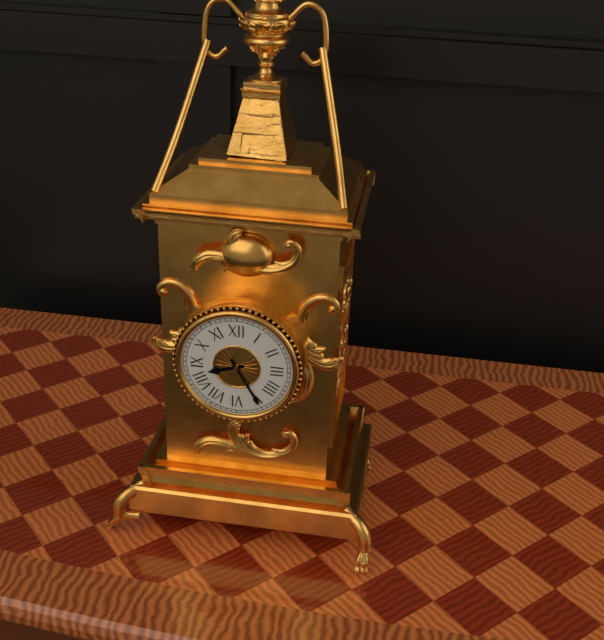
8:25
